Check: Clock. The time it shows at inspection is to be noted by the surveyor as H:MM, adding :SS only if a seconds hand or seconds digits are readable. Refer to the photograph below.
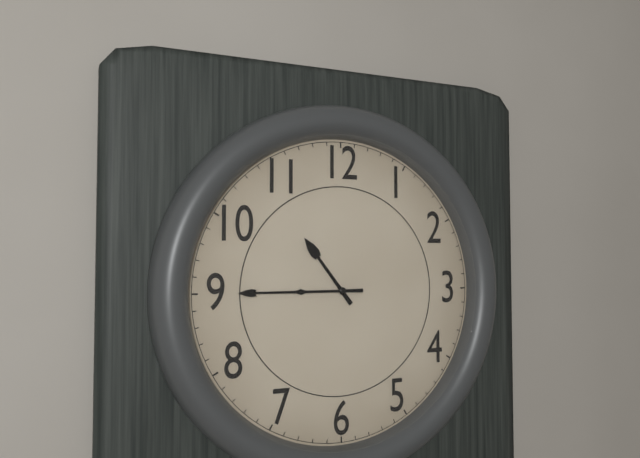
10:45
